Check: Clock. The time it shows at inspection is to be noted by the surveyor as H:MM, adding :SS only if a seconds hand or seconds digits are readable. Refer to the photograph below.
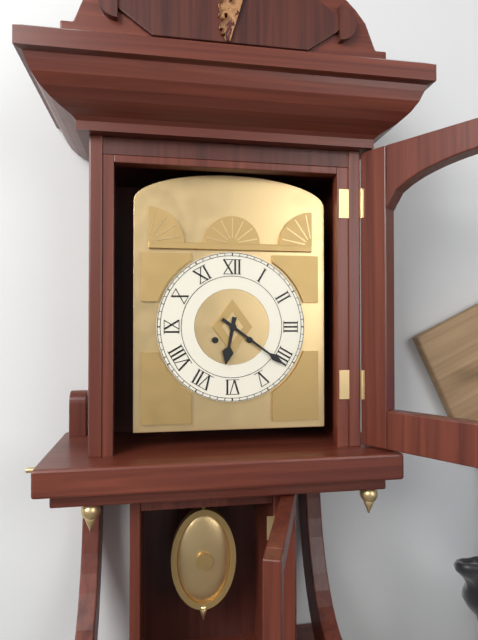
6:21
